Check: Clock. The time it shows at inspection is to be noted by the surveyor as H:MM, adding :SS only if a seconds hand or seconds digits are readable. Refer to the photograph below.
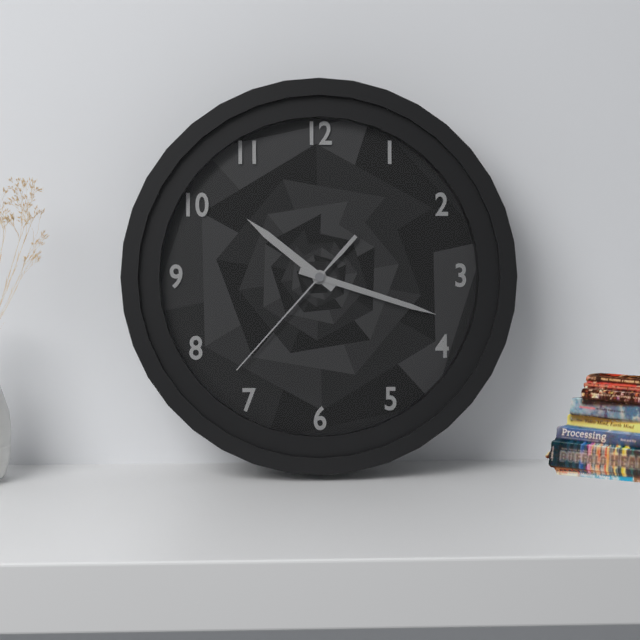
10:18:37
